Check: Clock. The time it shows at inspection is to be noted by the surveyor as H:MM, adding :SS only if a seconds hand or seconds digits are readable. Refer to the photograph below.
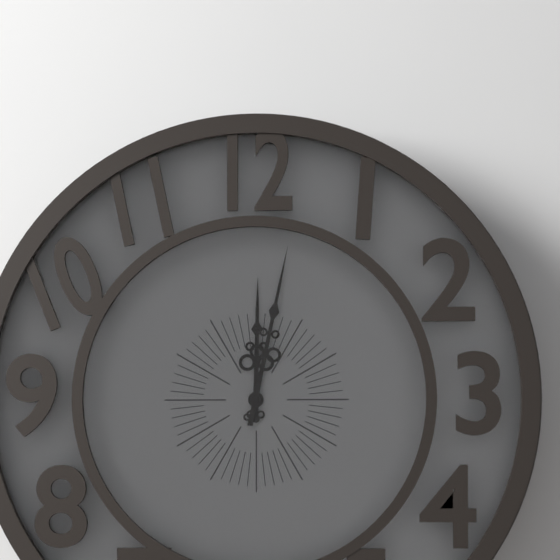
12:02
